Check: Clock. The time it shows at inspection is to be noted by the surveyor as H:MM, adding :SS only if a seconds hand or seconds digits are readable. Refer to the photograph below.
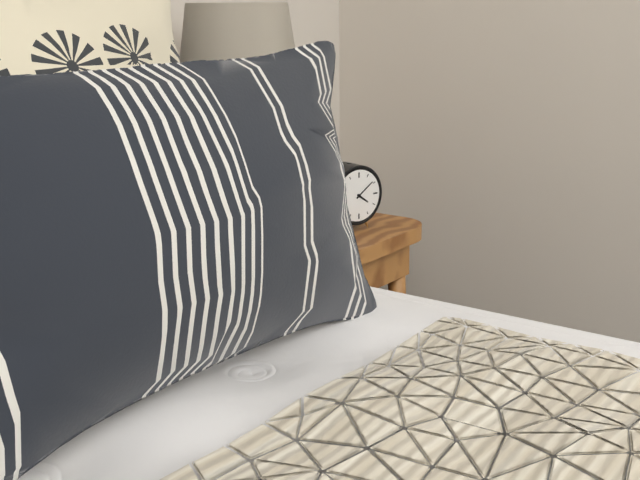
4:09
